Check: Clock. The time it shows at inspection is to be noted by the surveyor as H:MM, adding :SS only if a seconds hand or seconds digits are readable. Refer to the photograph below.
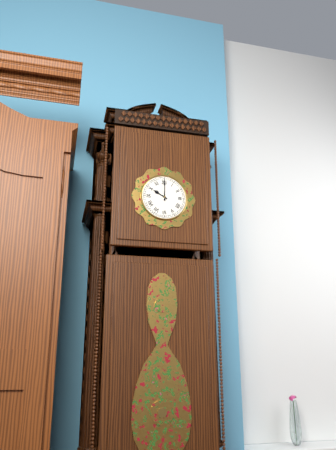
10:00
